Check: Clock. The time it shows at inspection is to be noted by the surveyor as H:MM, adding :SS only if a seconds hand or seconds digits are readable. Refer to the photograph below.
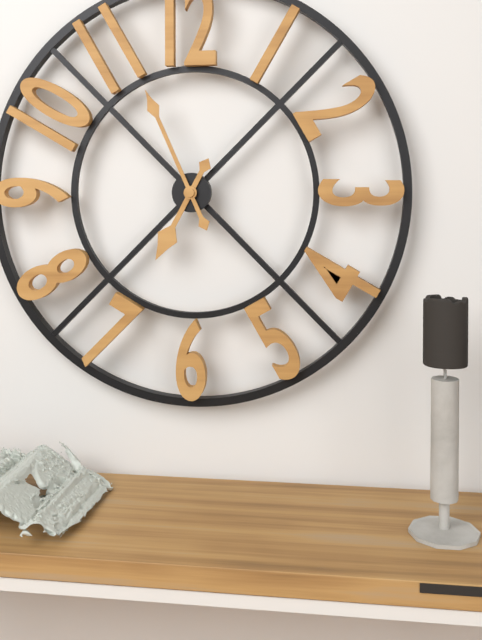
6:56
